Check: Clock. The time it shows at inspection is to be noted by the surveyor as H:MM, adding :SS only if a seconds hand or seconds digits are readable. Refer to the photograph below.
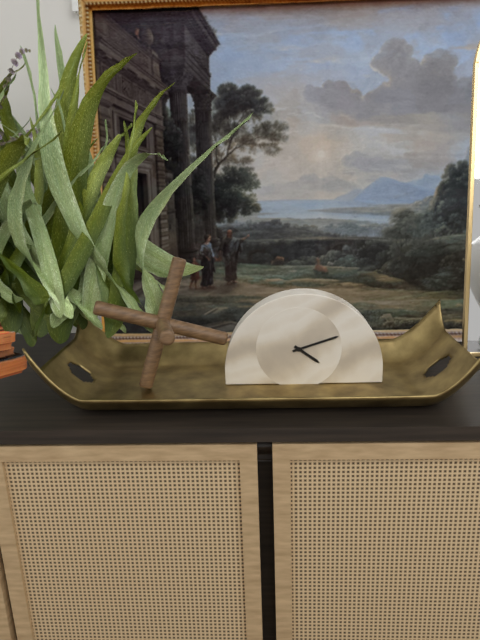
4:12
